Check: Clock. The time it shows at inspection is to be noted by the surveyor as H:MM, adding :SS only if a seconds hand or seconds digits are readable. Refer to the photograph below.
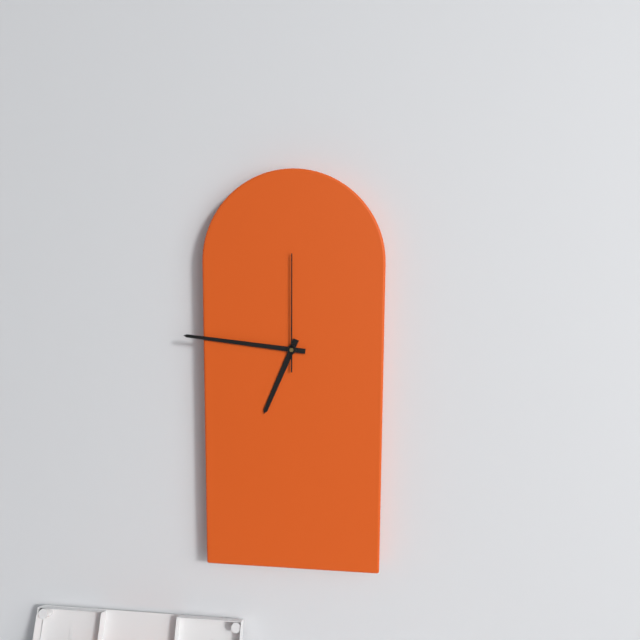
6:46:00
